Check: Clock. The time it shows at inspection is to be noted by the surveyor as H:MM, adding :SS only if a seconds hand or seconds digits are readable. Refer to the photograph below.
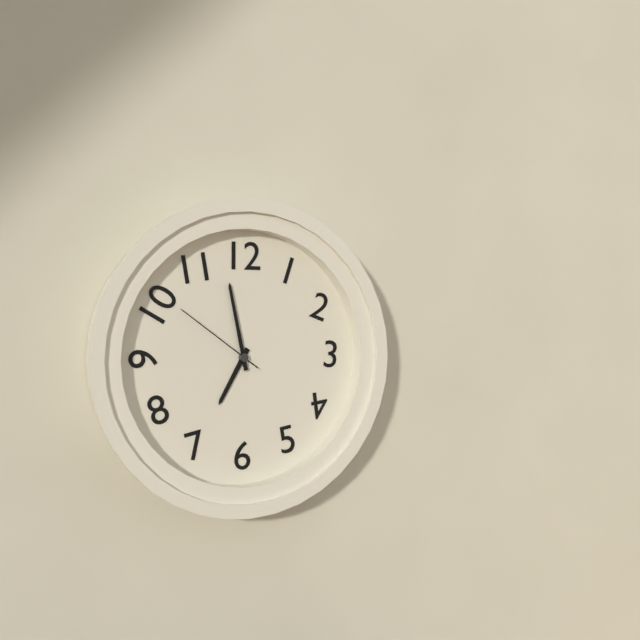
6:58:51
